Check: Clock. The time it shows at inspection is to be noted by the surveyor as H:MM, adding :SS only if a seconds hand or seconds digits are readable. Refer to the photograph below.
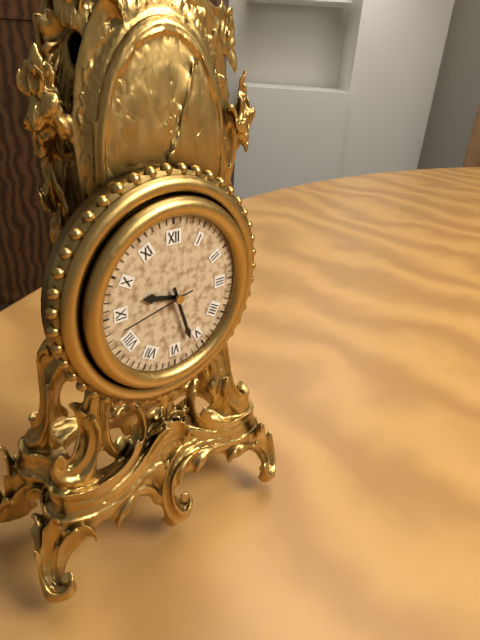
9:27:43
